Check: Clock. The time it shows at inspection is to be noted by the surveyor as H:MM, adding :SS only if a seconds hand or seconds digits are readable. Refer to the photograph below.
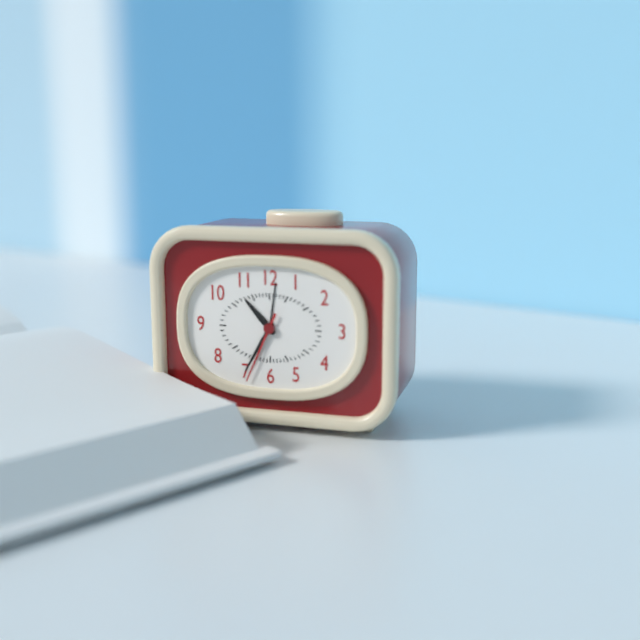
10:35:34
